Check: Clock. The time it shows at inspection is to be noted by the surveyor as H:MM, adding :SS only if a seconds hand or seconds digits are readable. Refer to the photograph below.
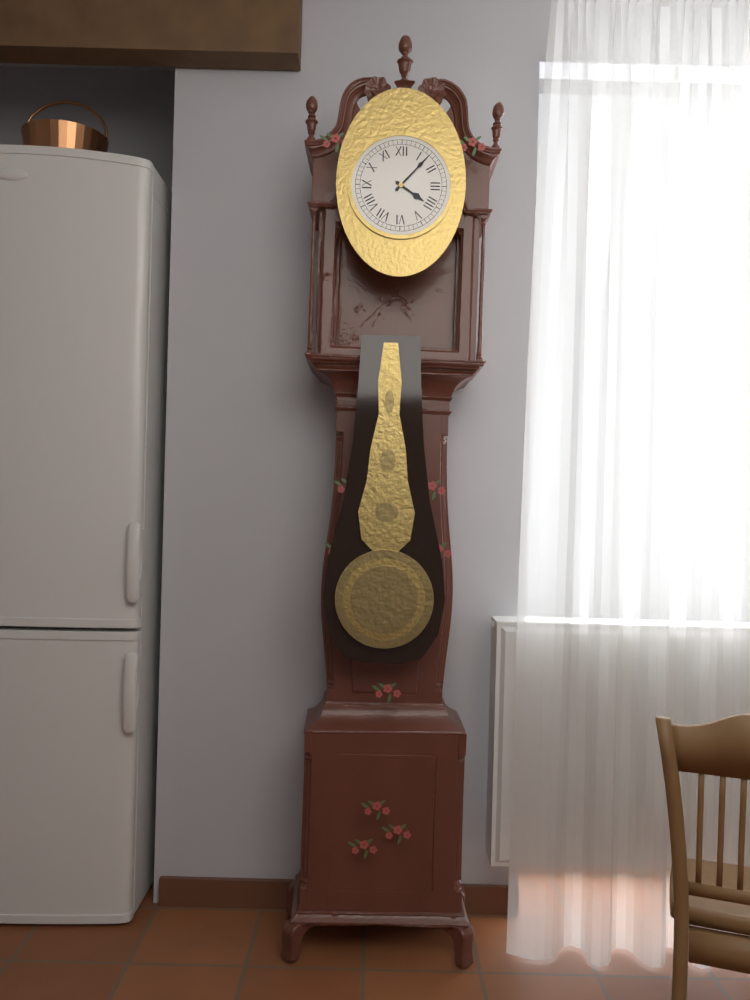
4:07
